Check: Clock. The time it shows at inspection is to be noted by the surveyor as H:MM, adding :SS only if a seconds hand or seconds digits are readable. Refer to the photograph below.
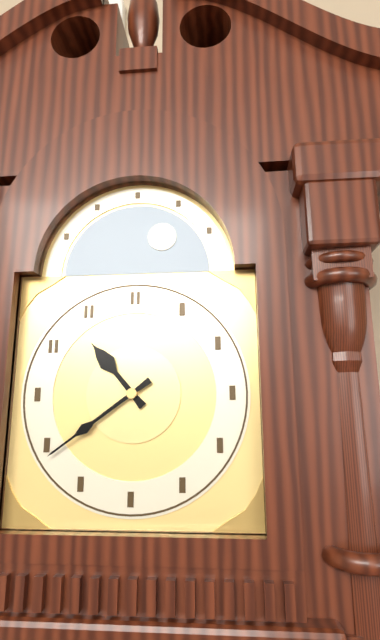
10:39
